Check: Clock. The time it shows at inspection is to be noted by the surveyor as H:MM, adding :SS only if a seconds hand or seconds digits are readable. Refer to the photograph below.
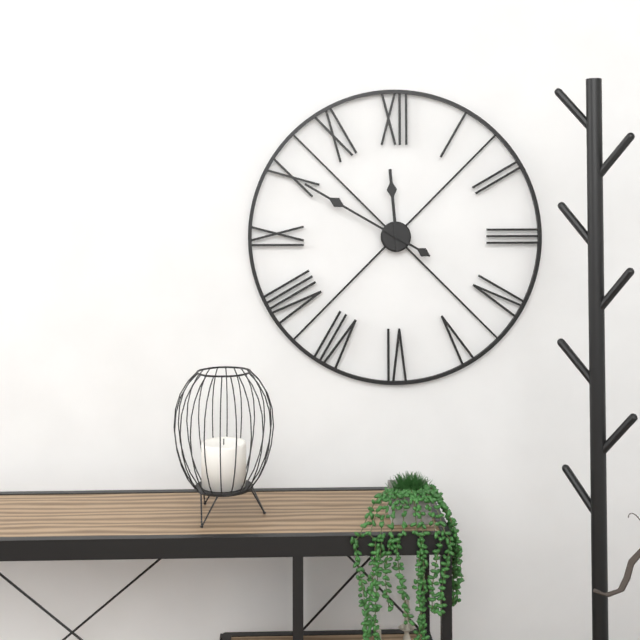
11:50
